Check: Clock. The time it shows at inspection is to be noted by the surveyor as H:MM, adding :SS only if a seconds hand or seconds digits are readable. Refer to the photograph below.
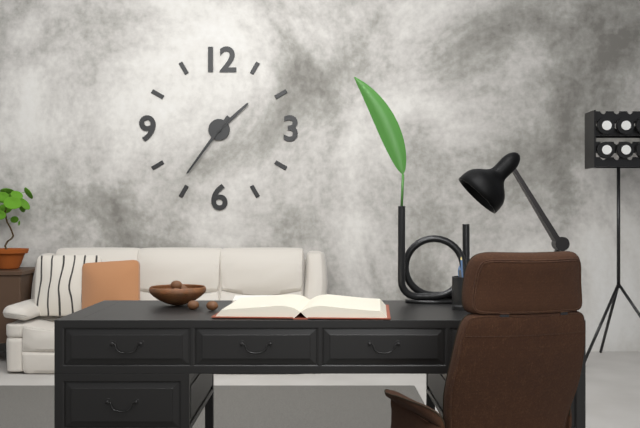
1:36
